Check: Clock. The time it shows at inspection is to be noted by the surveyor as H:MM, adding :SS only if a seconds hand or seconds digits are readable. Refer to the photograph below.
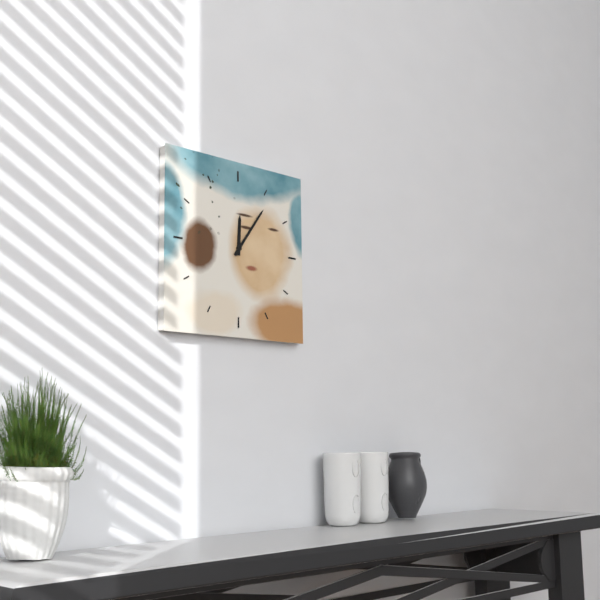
12:06
